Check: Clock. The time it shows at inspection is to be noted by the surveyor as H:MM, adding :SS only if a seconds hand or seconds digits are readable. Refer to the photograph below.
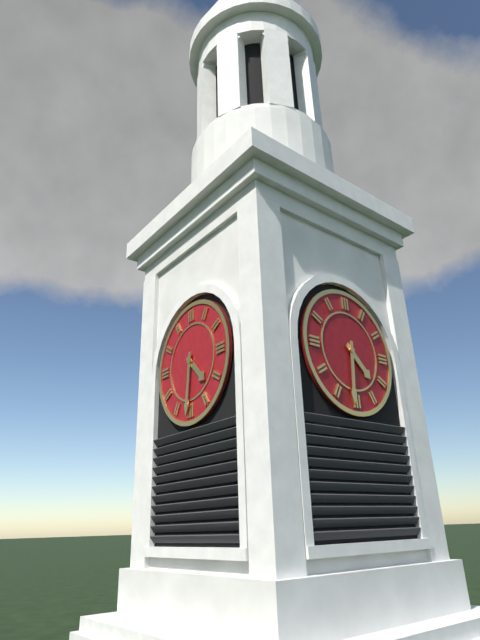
4:31
